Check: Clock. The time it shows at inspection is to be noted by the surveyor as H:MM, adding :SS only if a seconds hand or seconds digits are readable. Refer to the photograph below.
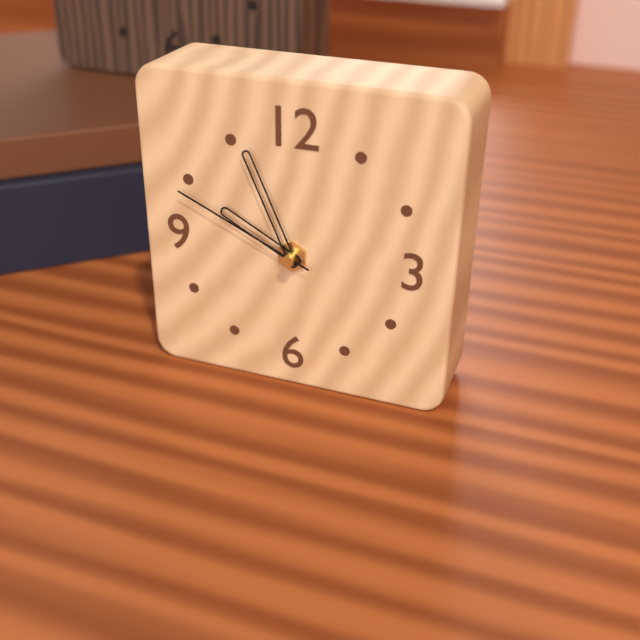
9:56:49
